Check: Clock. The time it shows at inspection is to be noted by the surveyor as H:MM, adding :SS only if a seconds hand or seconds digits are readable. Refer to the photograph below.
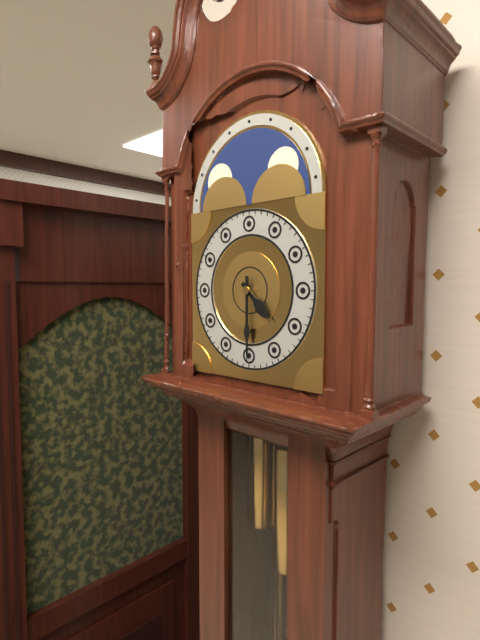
4:30
